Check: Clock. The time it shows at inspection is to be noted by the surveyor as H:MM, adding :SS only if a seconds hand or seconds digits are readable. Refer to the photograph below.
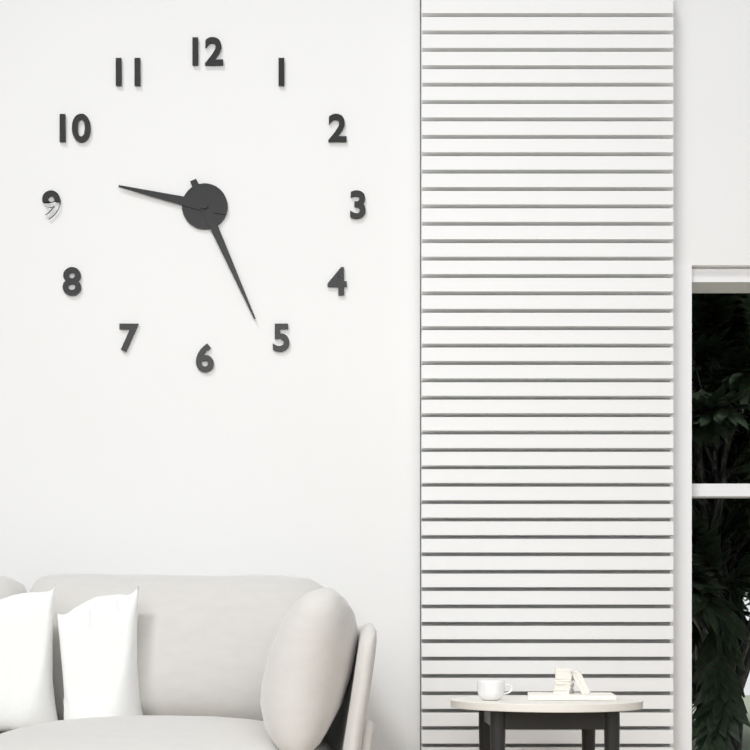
9:26
